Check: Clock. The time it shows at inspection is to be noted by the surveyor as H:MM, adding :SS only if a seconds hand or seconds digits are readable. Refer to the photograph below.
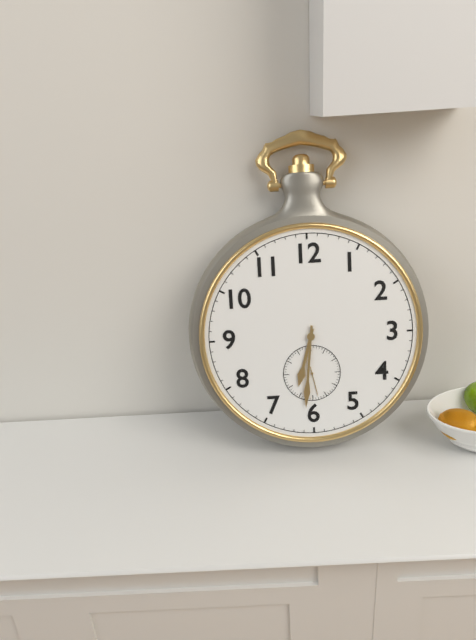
6:31
